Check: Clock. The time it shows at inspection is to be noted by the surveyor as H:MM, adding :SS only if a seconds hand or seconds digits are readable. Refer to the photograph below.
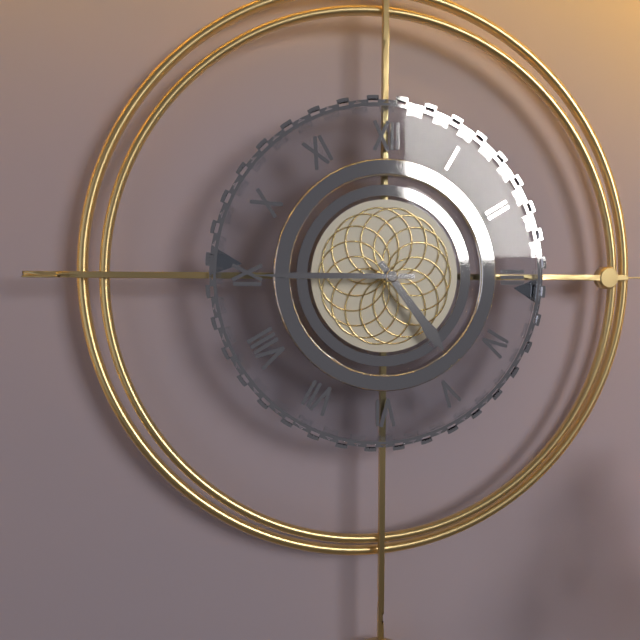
4:45
